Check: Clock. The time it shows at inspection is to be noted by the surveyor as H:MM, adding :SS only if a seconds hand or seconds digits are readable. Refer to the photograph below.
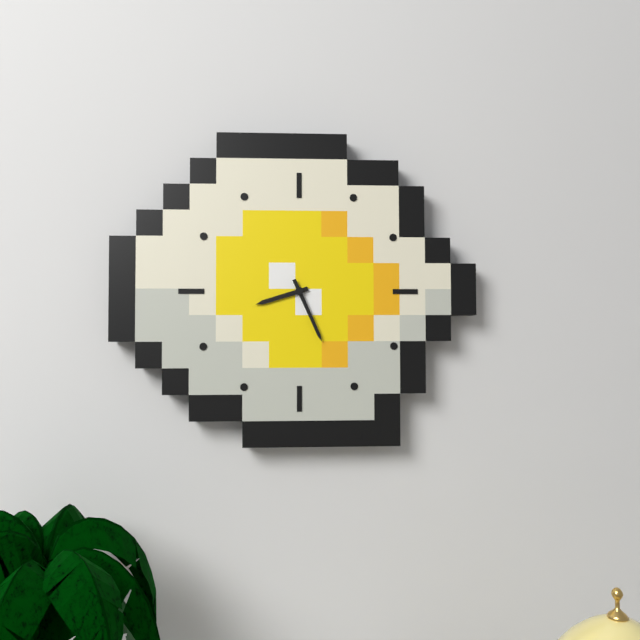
8:26
